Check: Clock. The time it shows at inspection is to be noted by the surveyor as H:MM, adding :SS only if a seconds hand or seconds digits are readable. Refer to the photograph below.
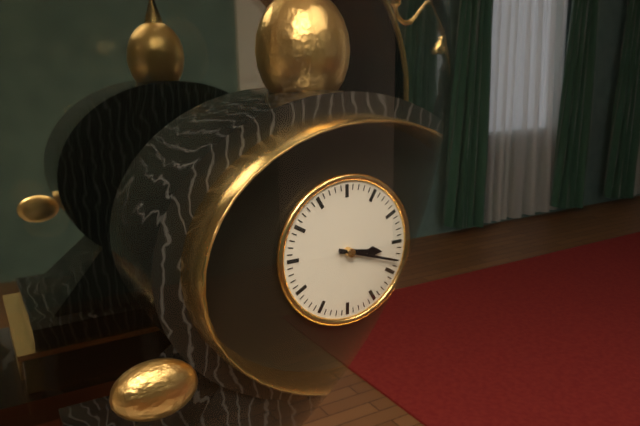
3:18
